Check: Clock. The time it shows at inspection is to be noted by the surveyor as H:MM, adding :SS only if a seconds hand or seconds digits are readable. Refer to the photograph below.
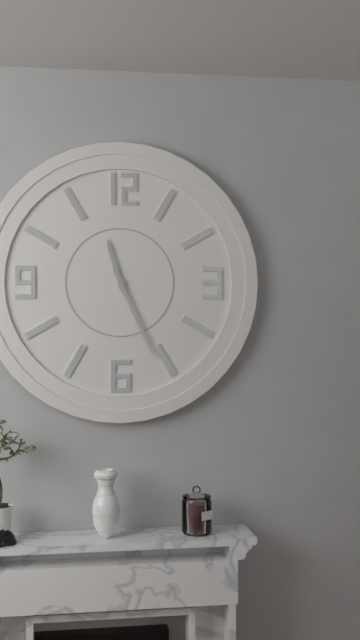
11:26
